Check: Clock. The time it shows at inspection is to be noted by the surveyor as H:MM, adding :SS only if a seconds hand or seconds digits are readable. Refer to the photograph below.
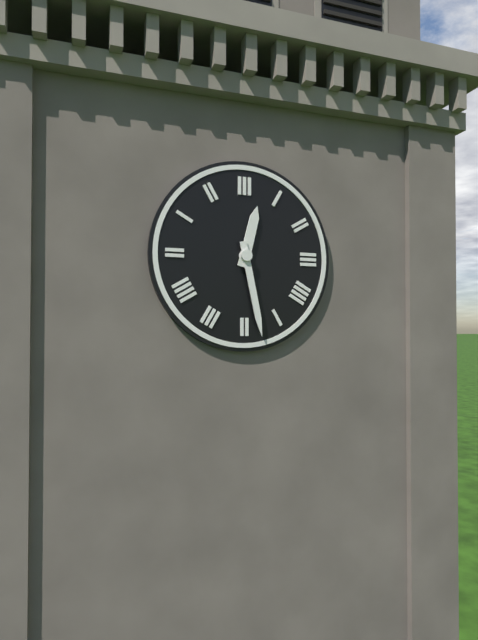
12:28
